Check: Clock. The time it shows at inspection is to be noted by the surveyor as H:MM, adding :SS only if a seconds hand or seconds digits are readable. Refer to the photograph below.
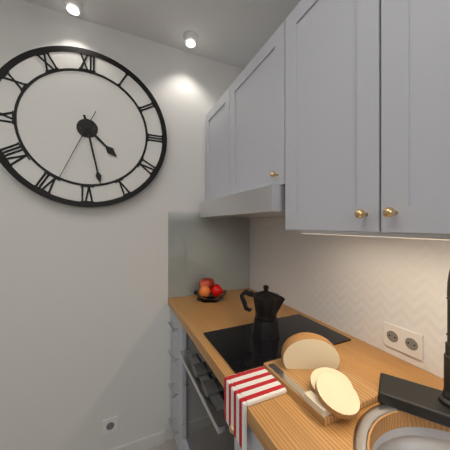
4:28:34
